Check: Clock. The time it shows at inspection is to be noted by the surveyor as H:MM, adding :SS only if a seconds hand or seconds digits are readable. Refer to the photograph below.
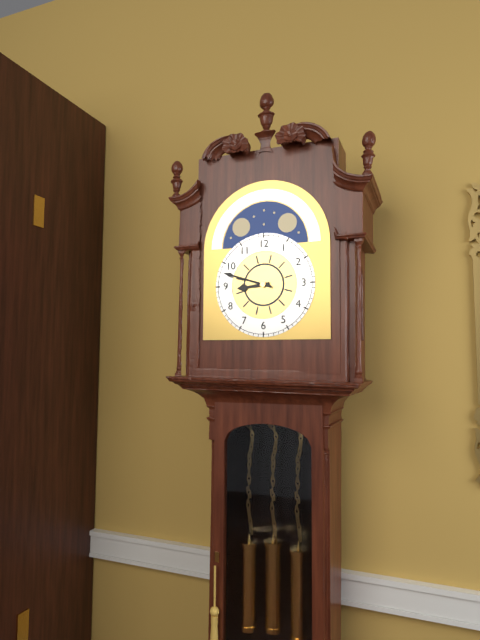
8:48
